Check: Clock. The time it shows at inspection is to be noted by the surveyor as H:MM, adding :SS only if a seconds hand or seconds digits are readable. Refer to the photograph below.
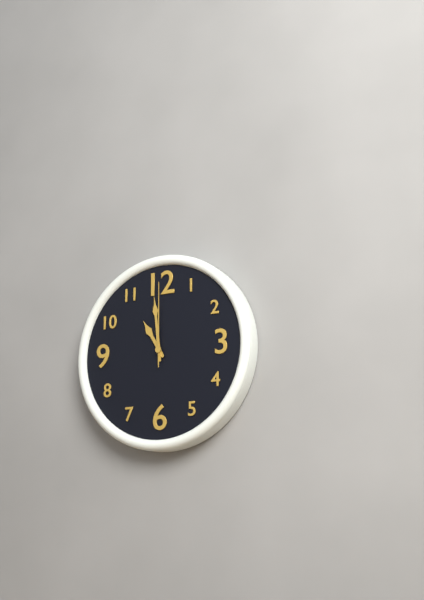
10:59:00
